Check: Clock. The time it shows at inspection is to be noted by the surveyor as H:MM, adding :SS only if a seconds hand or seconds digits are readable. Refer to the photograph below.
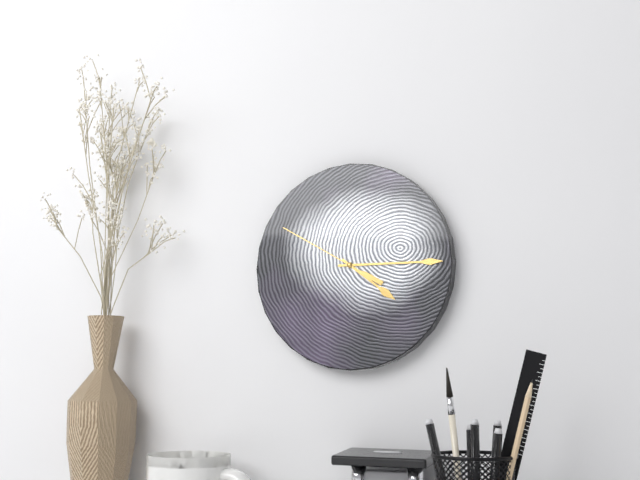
4:15:50
